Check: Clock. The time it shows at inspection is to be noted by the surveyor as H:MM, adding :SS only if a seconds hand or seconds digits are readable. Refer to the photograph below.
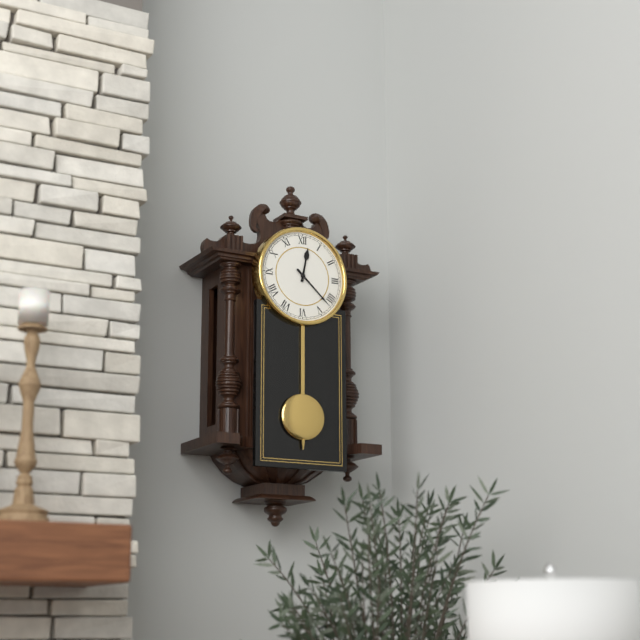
12:22
